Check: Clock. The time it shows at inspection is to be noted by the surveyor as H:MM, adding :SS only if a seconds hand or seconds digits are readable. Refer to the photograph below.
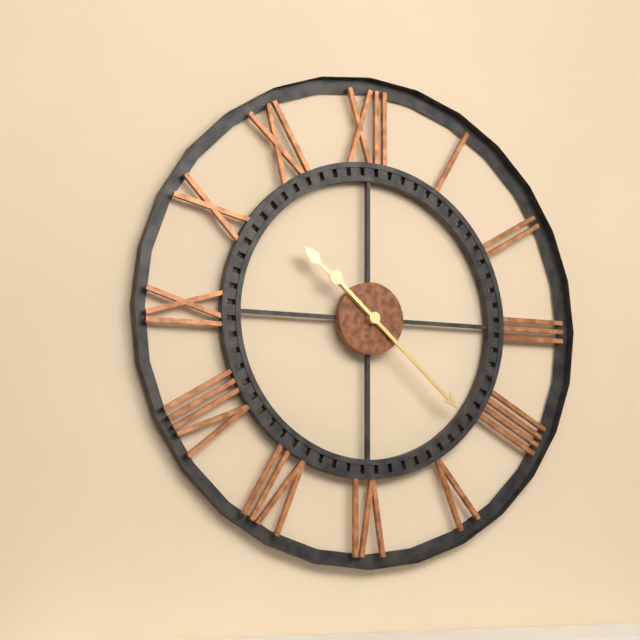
10:22
